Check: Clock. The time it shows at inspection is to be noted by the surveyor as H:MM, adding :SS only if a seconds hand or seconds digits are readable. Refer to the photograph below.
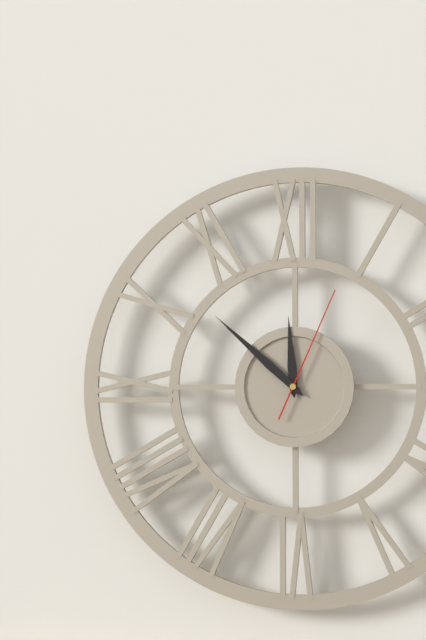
11:52:04
